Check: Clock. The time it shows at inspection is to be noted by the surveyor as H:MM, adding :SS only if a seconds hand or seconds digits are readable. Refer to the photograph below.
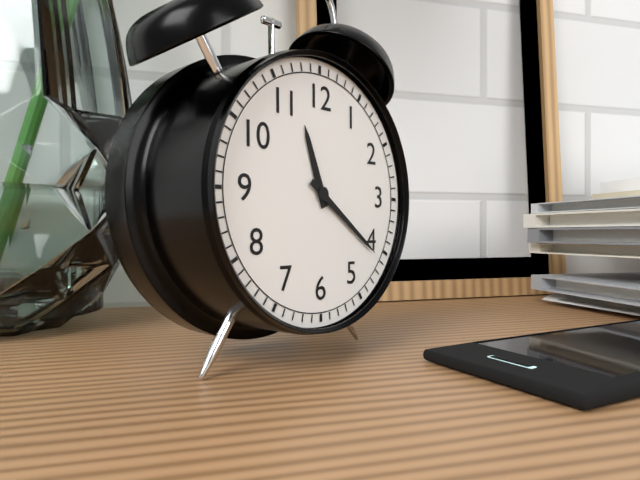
11:21
